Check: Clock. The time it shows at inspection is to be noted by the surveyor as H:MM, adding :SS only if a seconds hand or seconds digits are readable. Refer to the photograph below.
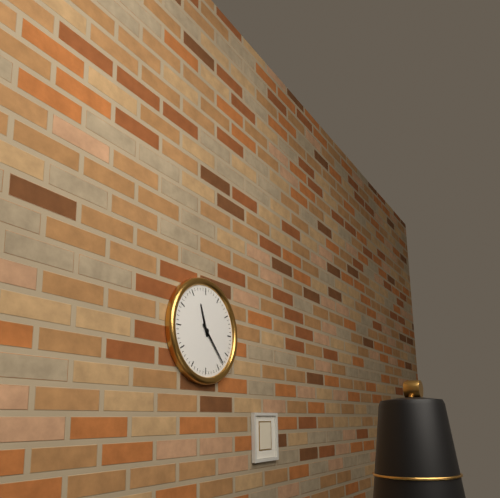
11:23
